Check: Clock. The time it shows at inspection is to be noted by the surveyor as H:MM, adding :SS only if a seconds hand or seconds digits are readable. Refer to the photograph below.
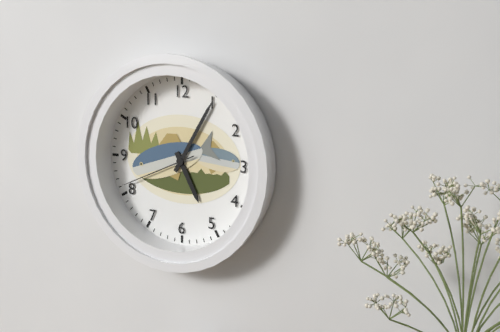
5:05:41
